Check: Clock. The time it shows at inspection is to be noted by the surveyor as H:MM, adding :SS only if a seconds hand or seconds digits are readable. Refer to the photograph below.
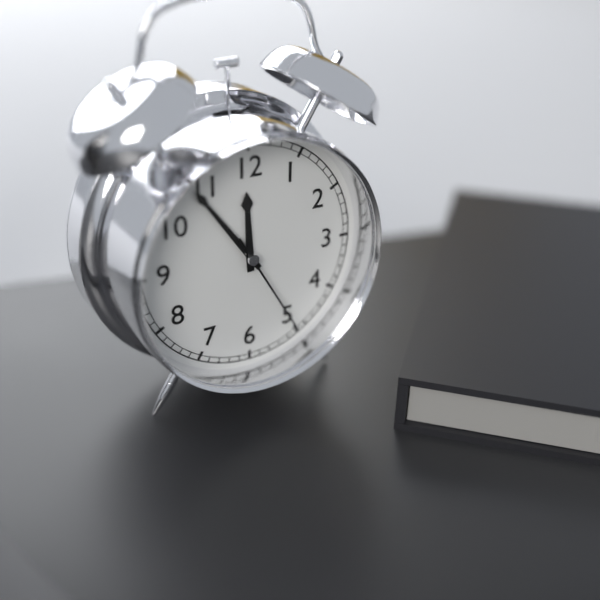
11:54:25
